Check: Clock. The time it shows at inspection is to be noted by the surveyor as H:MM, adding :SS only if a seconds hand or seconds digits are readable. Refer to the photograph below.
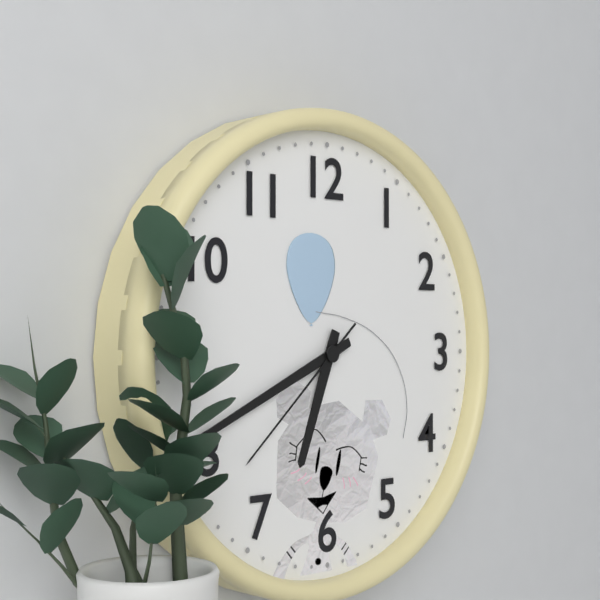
6:41:38
